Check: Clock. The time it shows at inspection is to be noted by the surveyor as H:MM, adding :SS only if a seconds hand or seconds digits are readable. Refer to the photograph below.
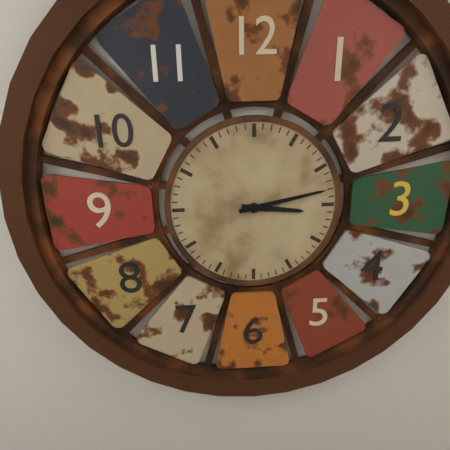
3:13
